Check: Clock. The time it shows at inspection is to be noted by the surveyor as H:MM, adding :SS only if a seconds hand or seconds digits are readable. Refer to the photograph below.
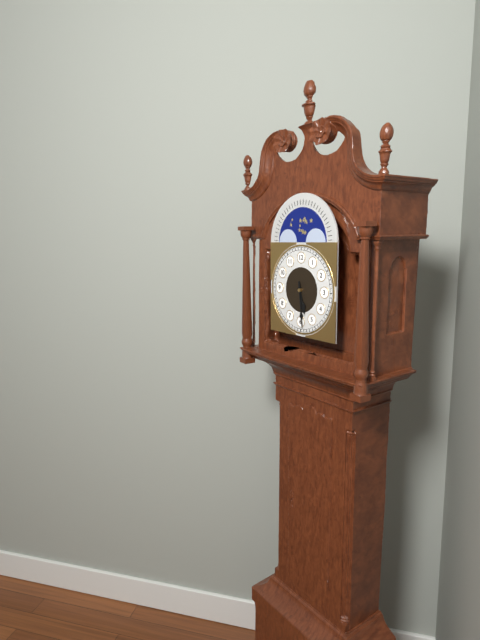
5:29
